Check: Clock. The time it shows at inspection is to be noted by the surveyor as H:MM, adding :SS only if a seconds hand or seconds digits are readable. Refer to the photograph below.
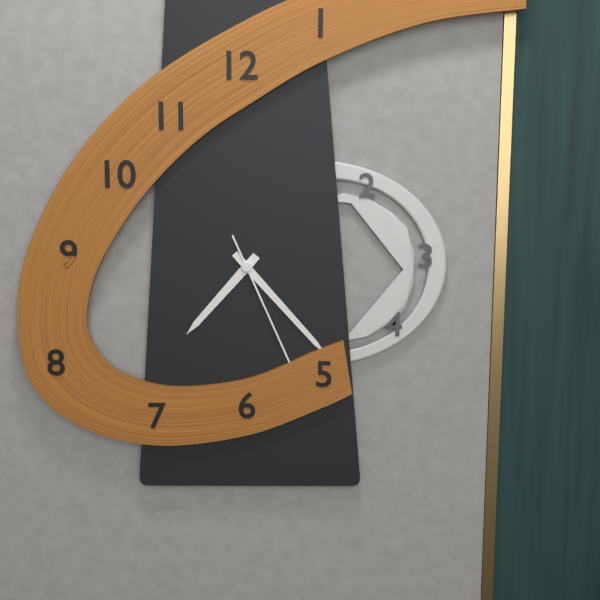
7:23:26
